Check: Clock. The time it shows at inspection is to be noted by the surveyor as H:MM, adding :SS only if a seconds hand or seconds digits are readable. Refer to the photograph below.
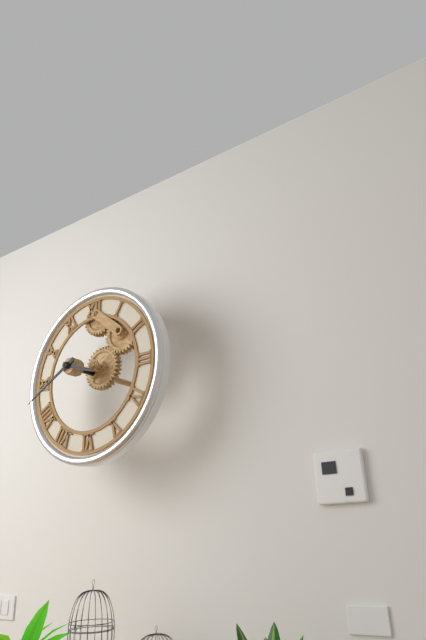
3:40
